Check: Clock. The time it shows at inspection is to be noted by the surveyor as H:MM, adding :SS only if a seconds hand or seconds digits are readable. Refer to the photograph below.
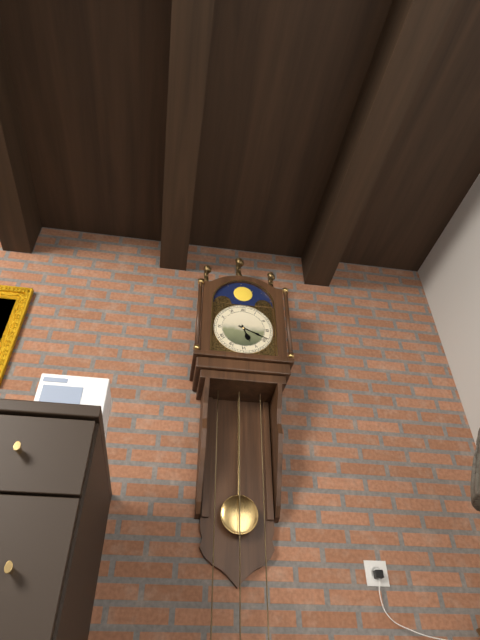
5:19
